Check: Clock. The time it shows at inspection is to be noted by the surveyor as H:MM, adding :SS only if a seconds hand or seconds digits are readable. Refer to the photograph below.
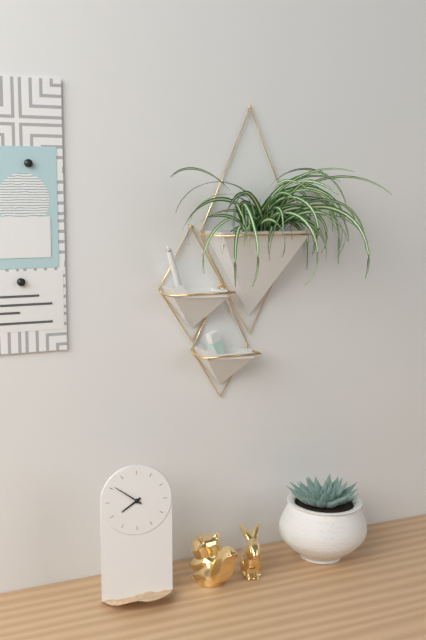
7:51
